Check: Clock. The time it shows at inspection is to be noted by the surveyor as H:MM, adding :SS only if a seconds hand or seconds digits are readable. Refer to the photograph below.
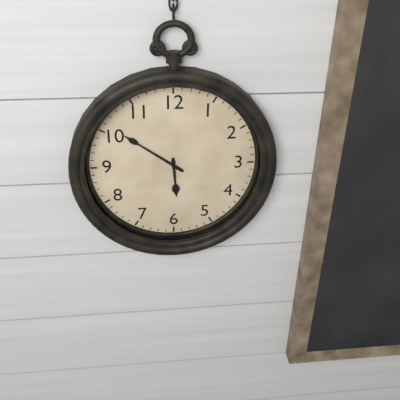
5:51
